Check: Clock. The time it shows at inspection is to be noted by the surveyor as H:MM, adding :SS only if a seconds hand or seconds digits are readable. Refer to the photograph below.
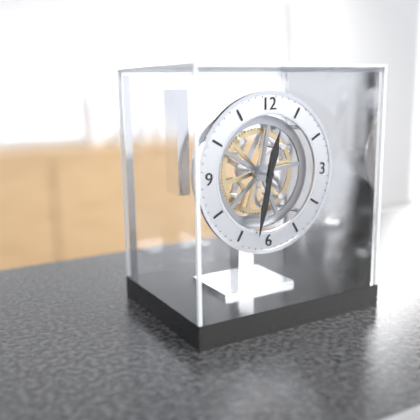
12:32
